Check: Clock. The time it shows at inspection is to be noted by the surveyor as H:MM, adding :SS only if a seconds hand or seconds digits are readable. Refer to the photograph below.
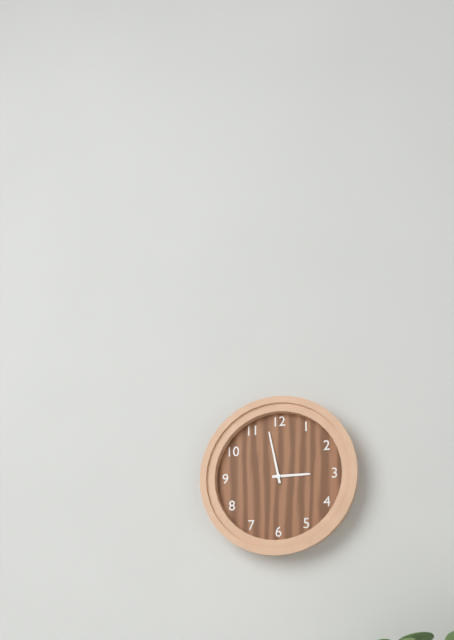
2:58
